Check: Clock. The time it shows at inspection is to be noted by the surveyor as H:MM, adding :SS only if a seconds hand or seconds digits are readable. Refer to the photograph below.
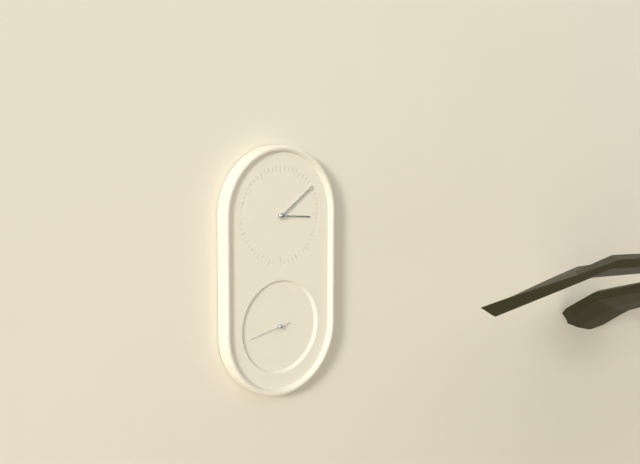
3:09
